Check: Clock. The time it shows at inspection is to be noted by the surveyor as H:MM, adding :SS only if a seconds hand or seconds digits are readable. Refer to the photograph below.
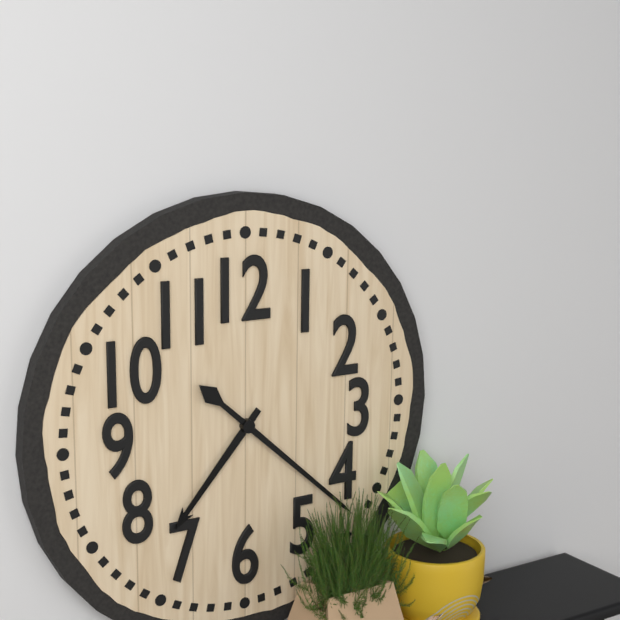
7:22
